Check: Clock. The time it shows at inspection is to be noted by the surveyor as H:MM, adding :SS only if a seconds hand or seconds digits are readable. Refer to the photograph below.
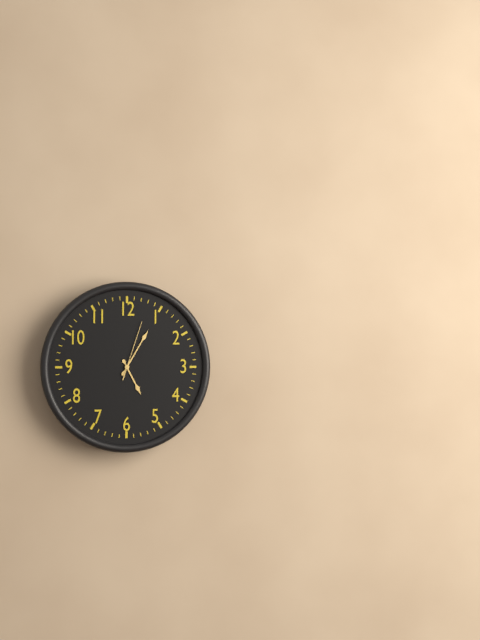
5:05:03
